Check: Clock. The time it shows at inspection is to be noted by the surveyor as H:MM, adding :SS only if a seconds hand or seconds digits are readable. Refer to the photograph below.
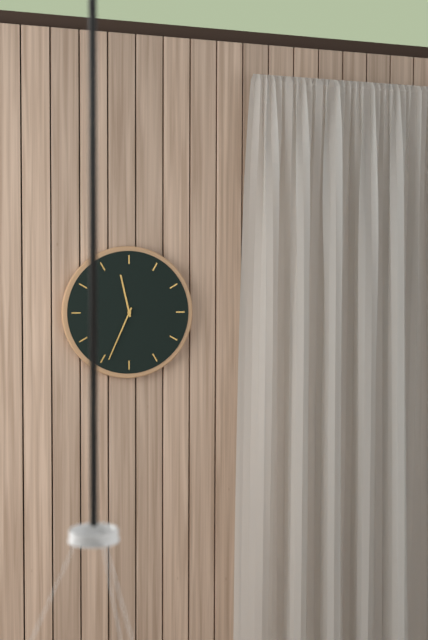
11:34
